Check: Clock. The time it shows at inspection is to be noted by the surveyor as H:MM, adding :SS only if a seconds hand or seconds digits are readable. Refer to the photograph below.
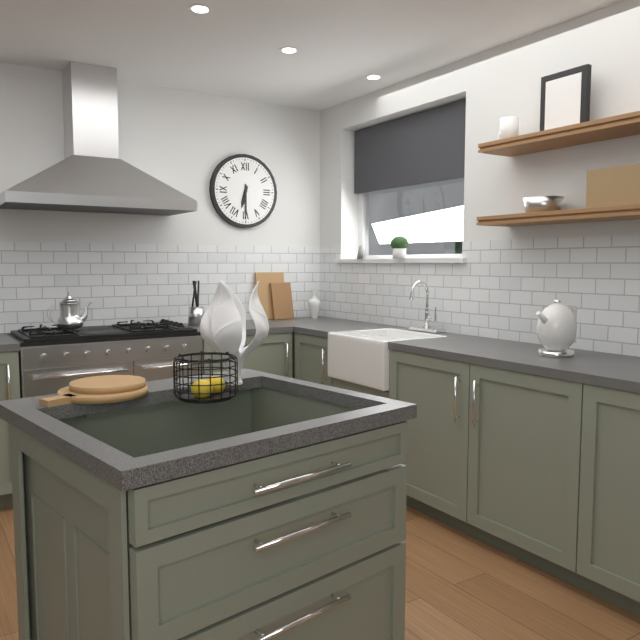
6:30
